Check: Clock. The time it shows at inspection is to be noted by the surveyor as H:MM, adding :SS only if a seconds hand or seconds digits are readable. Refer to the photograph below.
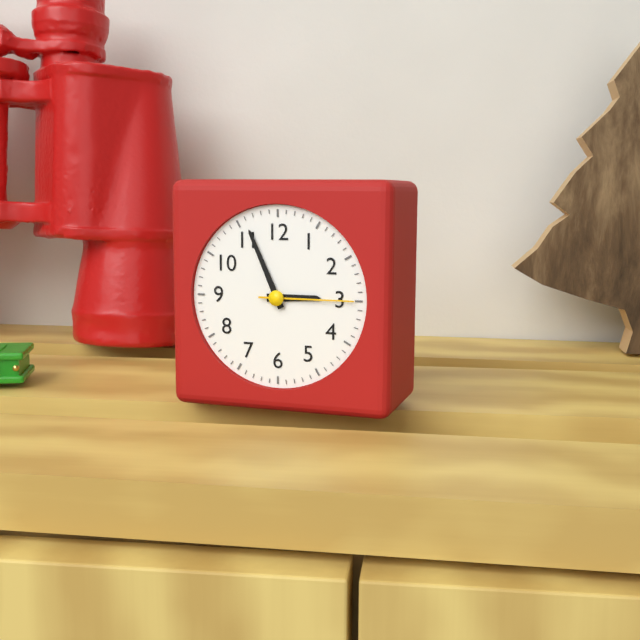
2:56:15
